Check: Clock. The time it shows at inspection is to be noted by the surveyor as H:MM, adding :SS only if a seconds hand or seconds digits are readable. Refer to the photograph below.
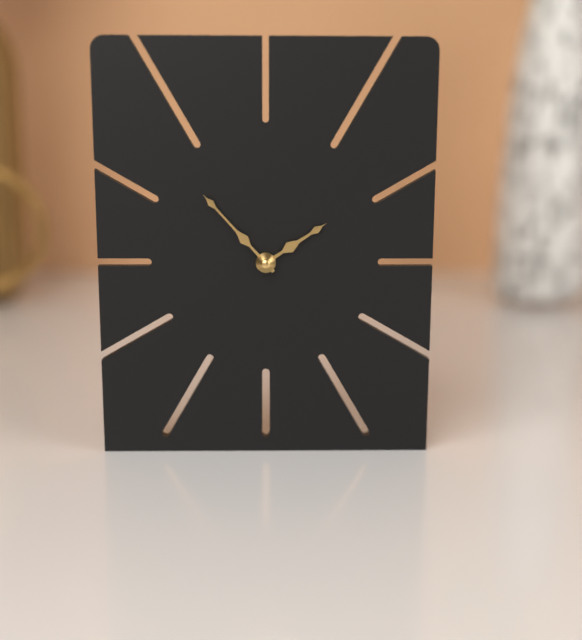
1:53
